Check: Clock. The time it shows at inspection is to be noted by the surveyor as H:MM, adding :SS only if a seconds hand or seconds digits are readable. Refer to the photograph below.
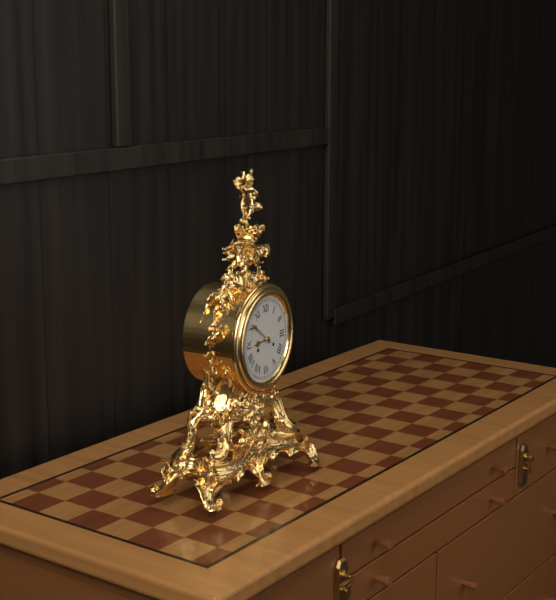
8:51
